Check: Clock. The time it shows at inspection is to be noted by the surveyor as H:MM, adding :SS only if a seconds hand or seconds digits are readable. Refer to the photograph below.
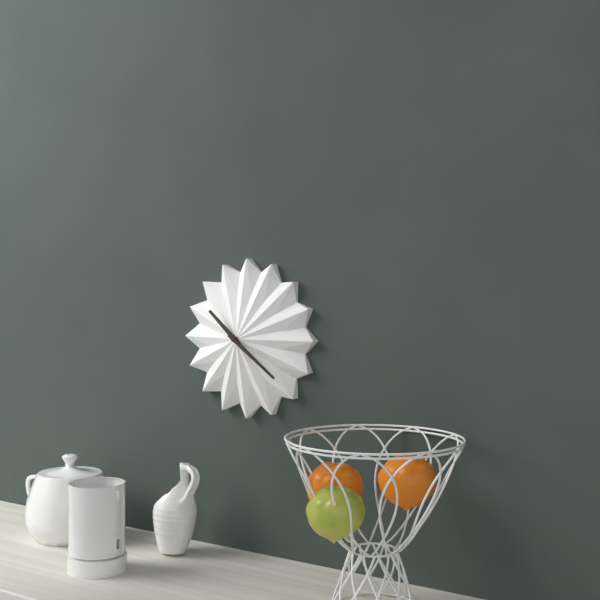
10:21
